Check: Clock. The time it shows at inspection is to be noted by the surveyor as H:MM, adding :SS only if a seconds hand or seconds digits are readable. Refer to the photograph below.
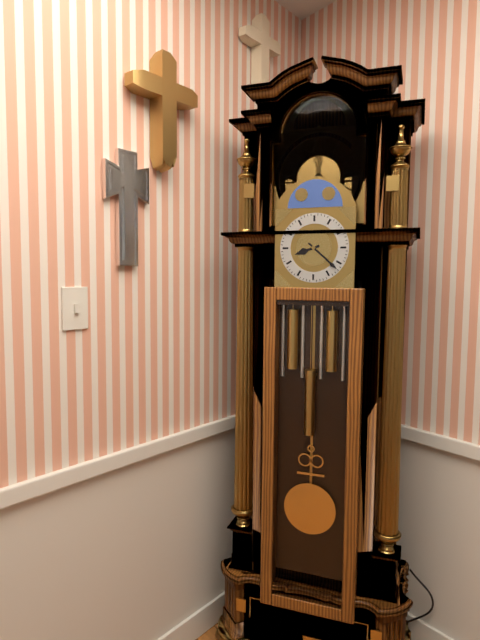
8:22
